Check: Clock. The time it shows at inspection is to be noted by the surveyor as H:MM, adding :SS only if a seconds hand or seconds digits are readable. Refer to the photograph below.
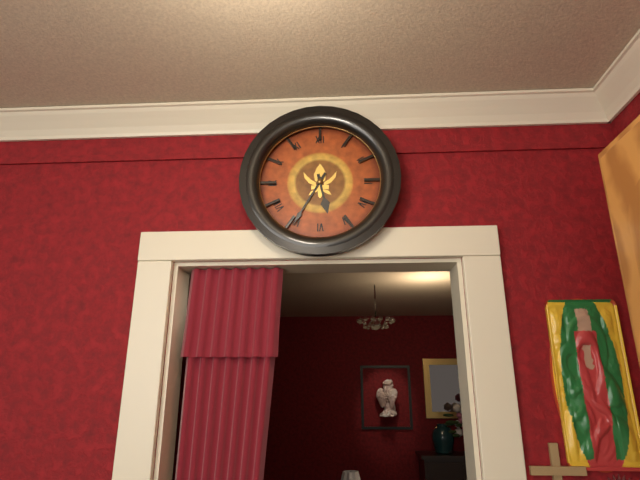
5:35
